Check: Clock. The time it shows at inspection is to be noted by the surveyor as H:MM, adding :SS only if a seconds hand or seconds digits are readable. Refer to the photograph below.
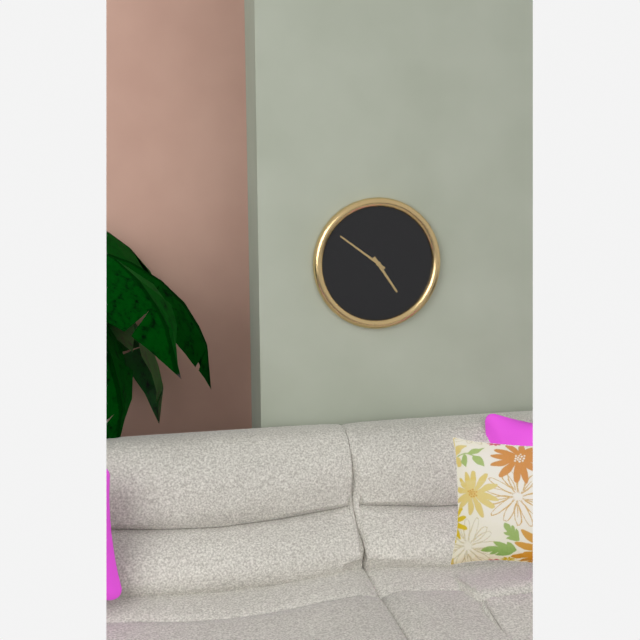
4:51
